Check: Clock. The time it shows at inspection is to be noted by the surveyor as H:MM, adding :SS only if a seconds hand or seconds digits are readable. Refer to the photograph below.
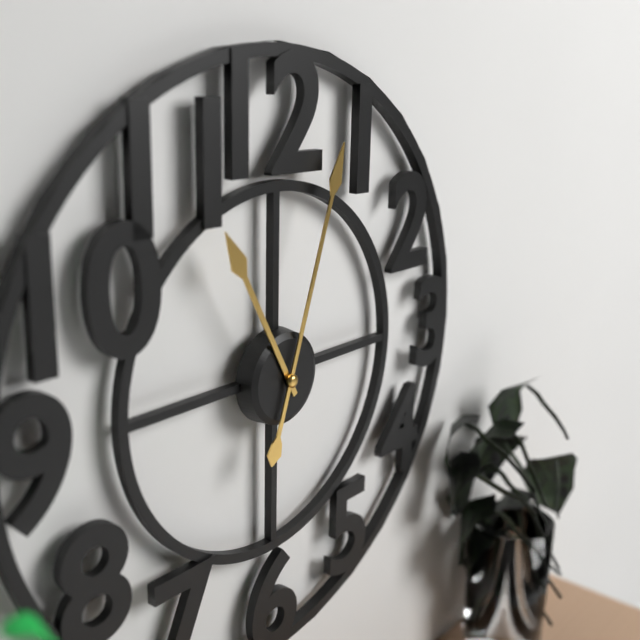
11:03
